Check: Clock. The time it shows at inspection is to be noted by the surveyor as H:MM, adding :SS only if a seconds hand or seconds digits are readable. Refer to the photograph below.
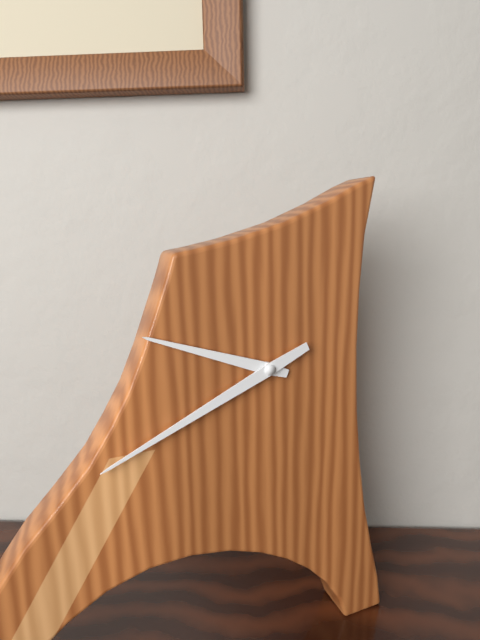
9:41
